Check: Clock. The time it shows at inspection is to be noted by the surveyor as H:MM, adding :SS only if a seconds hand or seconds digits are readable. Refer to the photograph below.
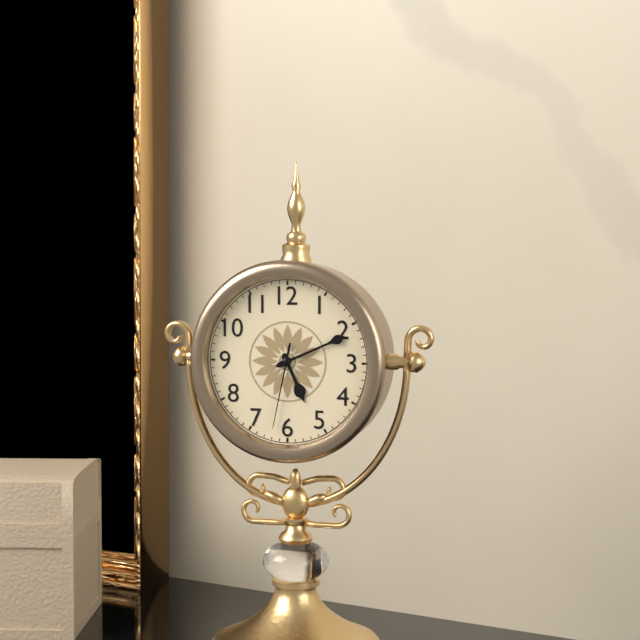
5:11:32
